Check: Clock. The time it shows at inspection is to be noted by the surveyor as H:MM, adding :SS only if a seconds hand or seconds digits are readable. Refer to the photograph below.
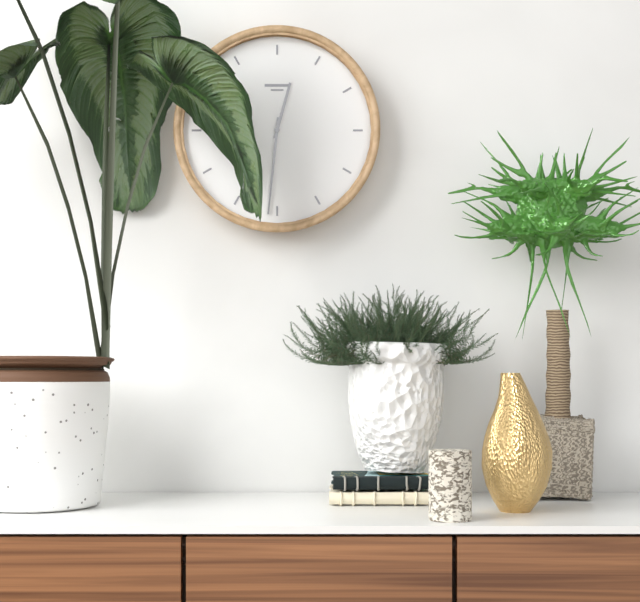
12:31
